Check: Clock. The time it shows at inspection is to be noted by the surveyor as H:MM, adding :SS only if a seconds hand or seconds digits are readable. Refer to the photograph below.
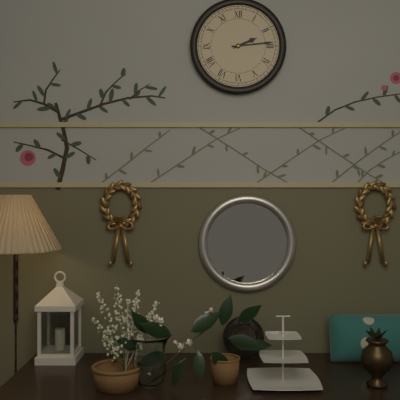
2:14
